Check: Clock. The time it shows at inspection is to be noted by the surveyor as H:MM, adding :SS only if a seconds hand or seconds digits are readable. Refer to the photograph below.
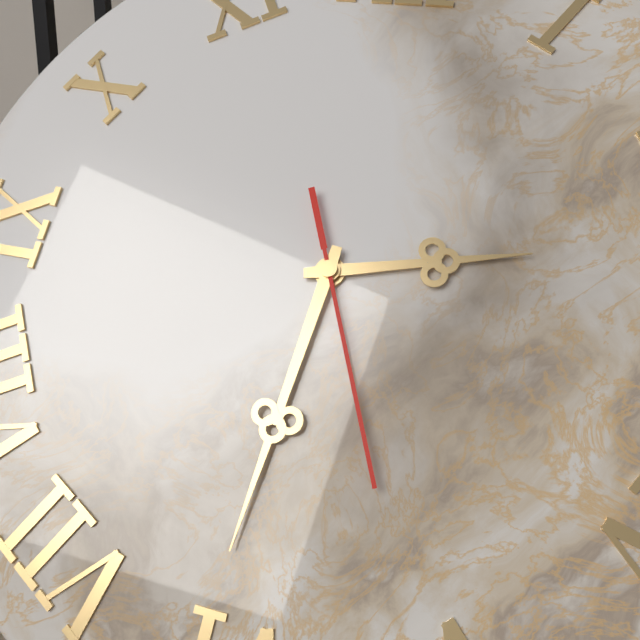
2:31:26
